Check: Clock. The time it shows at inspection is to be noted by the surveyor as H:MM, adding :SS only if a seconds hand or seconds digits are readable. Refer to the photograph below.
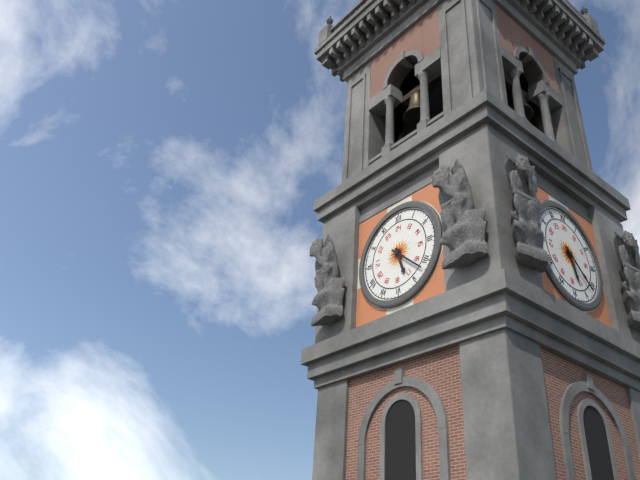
5:22
